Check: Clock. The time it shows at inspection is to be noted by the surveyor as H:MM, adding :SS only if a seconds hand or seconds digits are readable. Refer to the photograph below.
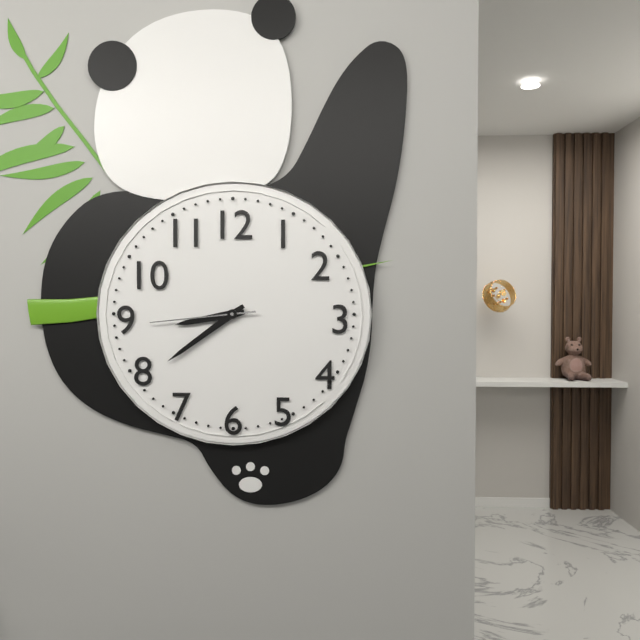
8:39:44
